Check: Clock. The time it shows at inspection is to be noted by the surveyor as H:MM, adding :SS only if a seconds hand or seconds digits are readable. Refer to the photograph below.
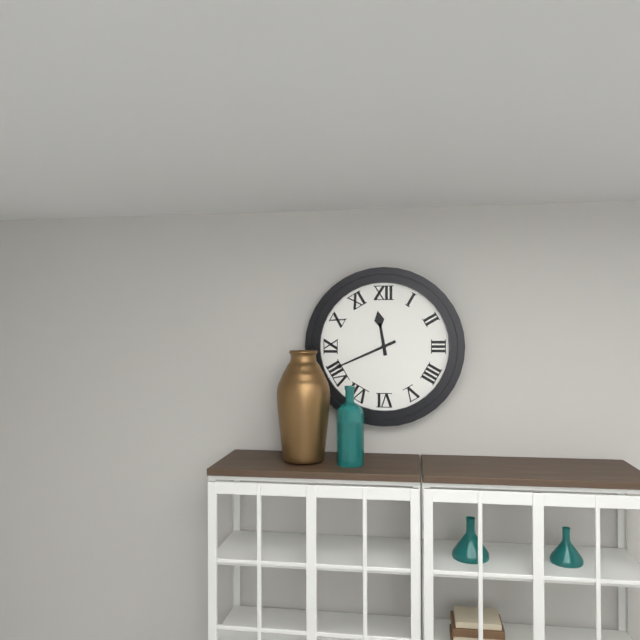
11:41
